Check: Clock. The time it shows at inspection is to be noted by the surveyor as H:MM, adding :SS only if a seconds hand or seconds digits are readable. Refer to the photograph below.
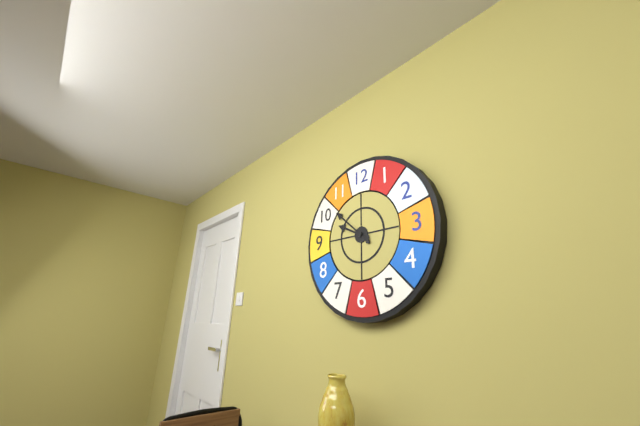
9:52
